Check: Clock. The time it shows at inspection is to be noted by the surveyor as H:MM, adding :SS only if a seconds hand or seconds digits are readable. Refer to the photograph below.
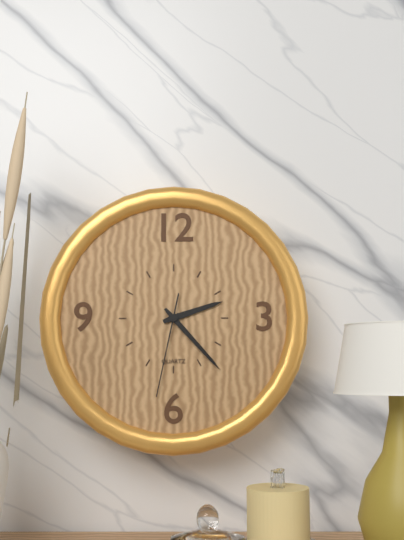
2:23:32
